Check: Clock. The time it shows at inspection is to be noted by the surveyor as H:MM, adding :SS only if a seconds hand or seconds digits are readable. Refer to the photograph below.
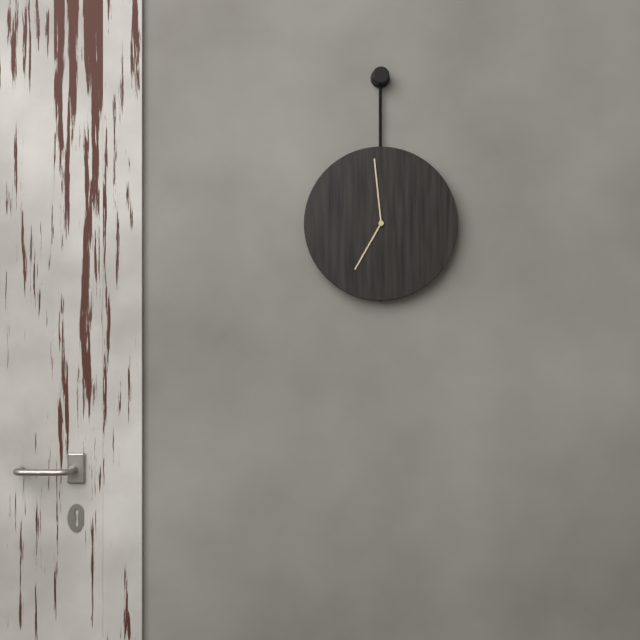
6:59
